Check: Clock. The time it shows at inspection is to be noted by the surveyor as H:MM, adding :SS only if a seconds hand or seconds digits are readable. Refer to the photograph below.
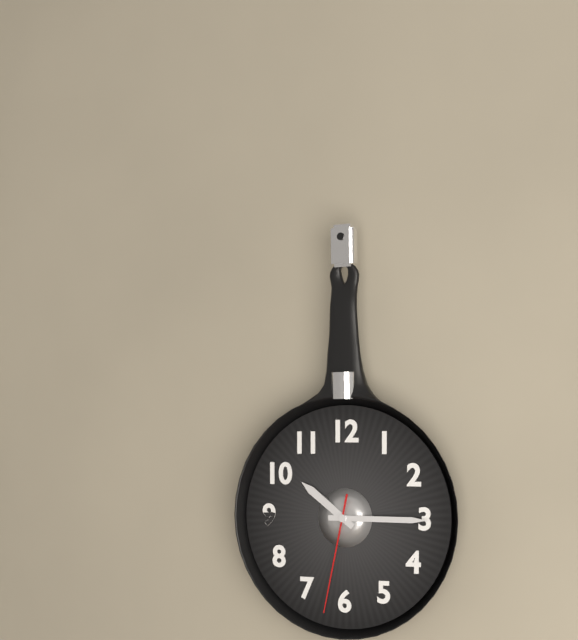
10:15:32
